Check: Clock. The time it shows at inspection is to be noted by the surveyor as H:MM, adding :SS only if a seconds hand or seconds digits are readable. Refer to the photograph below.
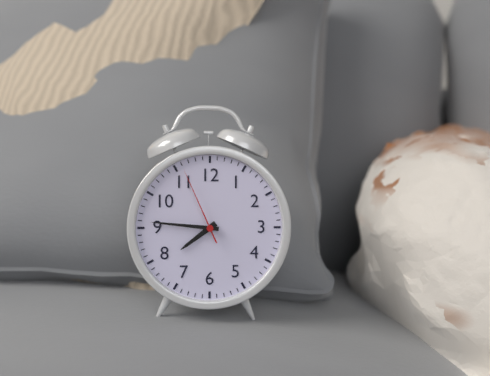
7:46:56
